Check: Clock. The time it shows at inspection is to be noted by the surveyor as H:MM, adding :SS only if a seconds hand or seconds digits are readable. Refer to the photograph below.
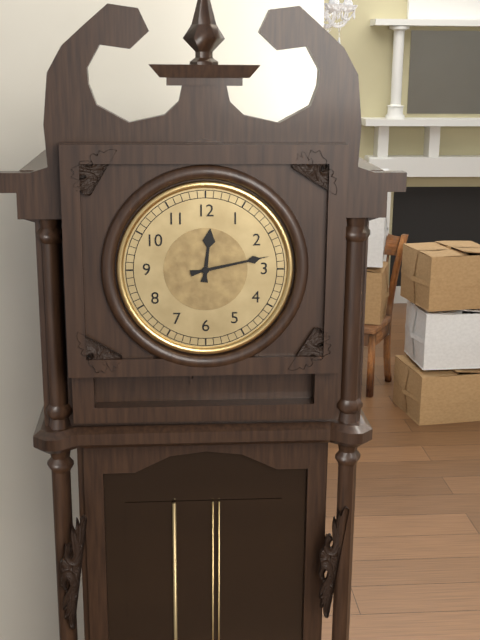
12:13
